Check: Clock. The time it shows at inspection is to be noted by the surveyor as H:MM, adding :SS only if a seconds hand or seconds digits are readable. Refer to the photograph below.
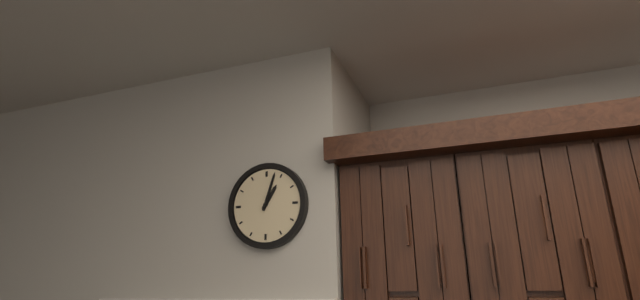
1:03
